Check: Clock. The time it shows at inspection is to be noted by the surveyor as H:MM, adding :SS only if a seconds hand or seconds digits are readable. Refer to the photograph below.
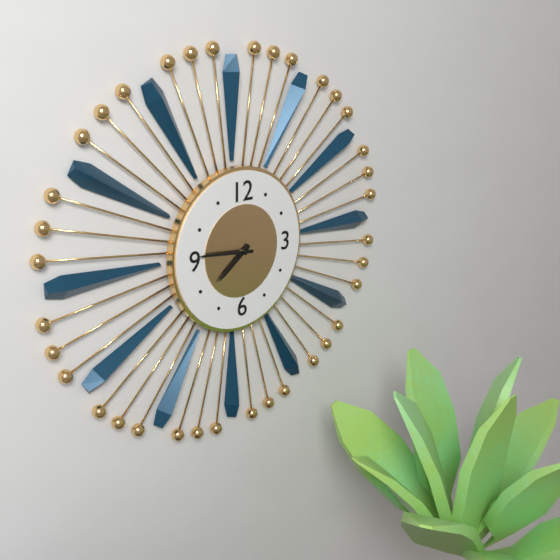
7:46
